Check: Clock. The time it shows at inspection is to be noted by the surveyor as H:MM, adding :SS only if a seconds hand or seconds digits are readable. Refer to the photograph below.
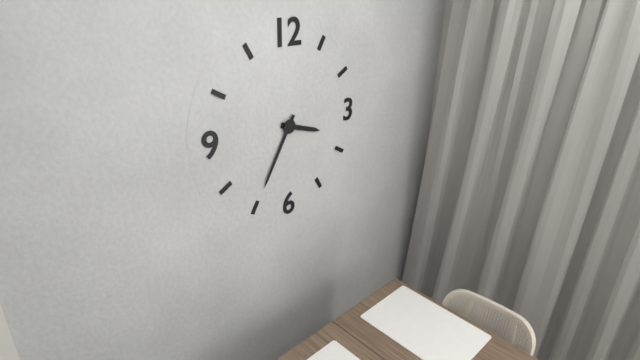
3:35
